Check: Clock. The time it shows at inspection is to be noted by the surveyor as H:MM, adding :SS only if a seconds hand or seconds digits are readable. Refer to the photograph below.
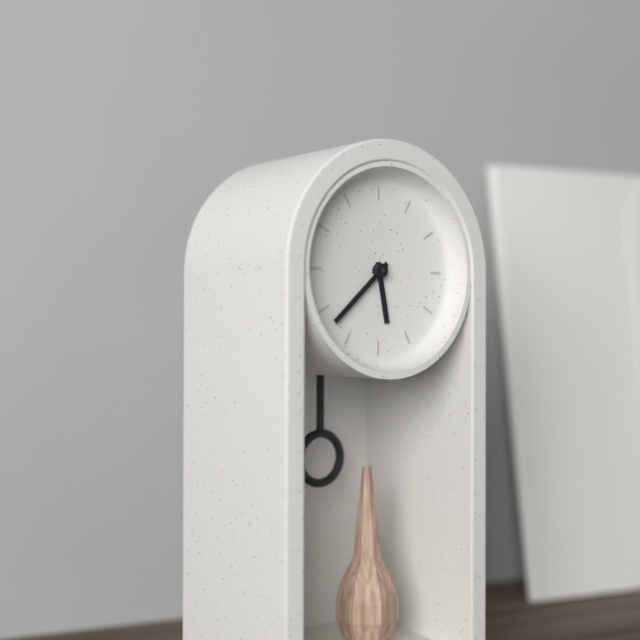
5:38
